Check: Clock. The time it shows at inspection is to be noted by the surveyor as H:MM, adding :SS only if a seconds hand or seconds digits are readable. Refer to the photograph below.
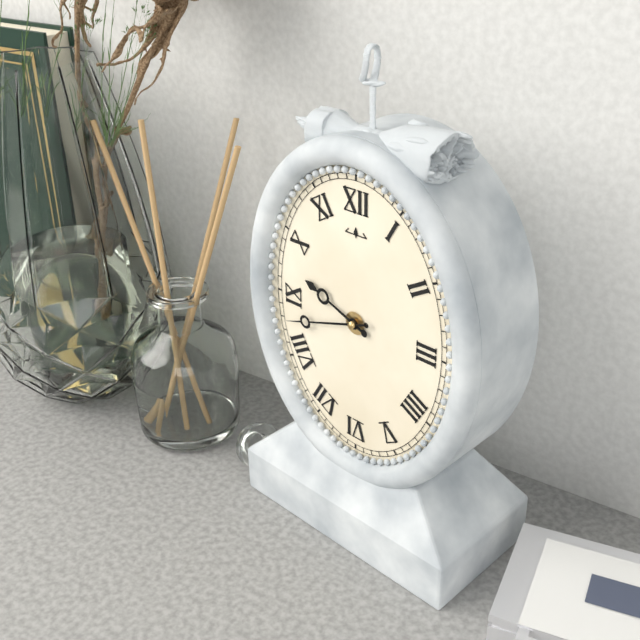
9:42
